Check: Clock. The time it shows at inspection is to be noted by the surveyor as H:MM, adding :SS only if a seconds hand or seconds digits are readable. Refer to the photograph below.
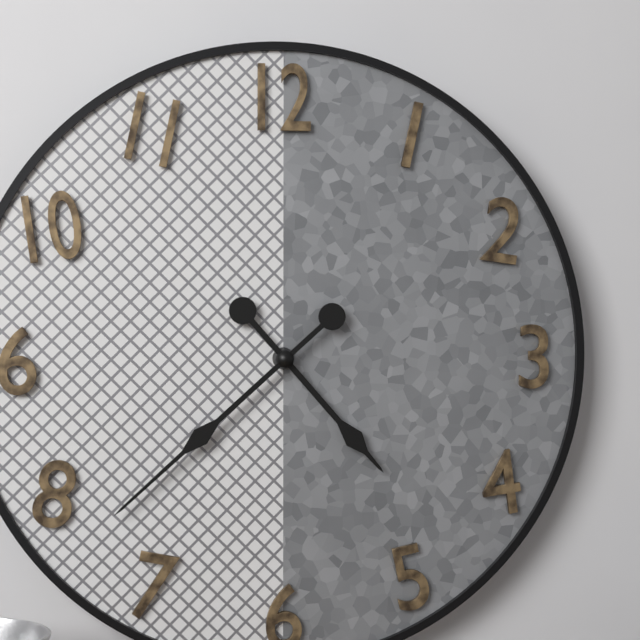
4:38
